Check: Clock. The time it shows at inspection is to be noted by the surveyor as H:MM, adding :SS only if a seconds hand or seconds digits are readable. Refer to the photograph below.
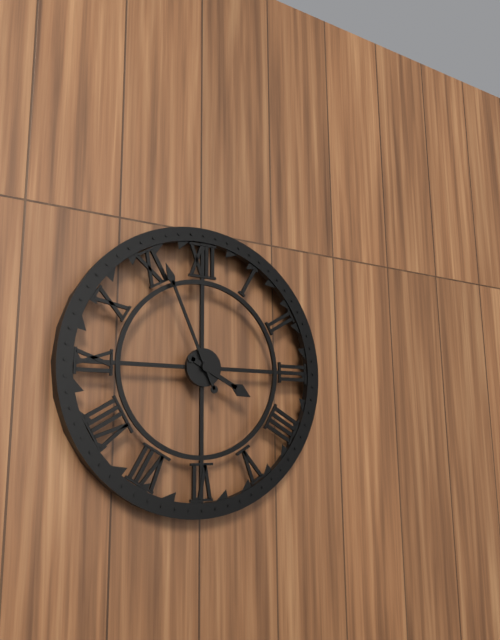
3:56
